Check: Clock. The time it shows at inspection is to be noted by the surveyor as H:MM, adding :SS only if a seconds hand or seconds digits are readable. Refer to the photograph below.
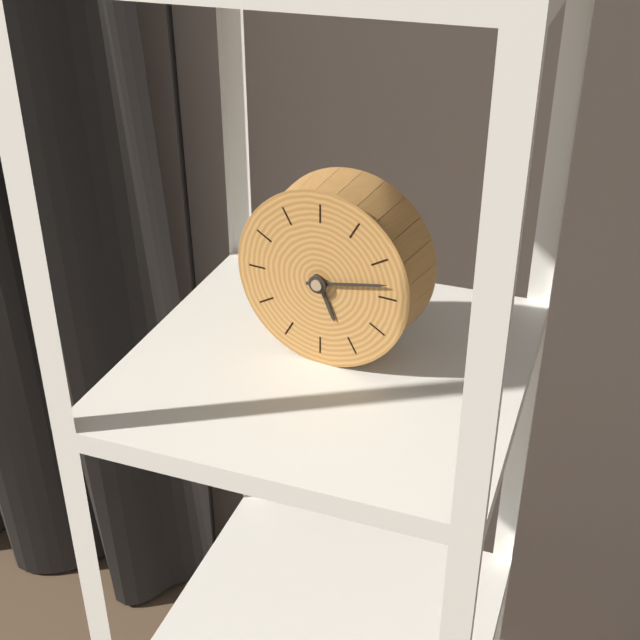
5:13
